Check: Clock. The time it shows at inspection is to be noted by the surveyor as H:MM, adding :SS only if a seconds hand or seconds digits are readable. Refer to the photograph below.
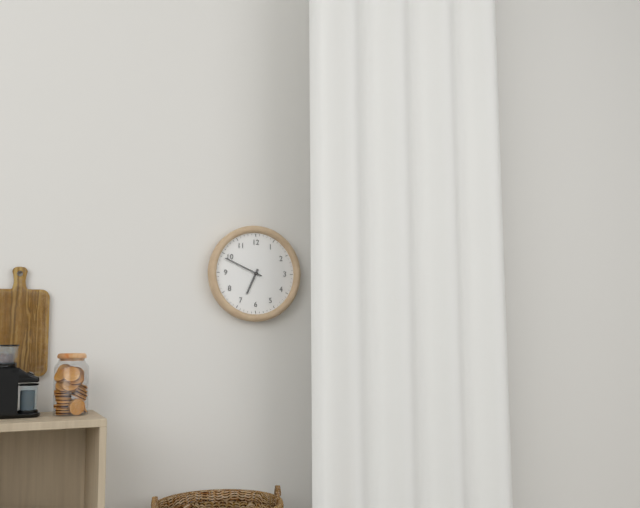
6:49
